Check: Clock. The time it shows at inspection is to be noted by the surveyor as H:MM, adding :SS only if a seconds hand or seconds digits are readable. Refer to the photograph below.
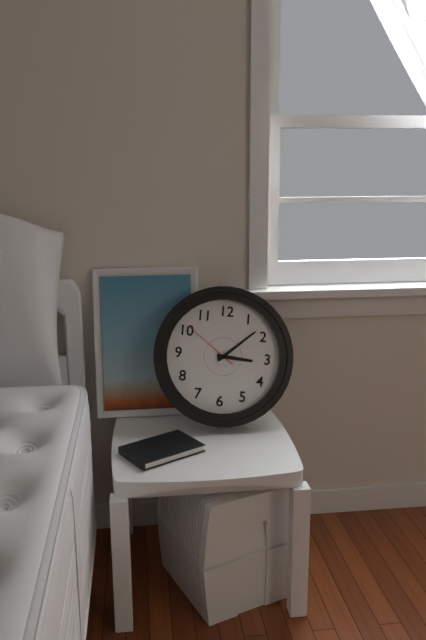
3:08:51
